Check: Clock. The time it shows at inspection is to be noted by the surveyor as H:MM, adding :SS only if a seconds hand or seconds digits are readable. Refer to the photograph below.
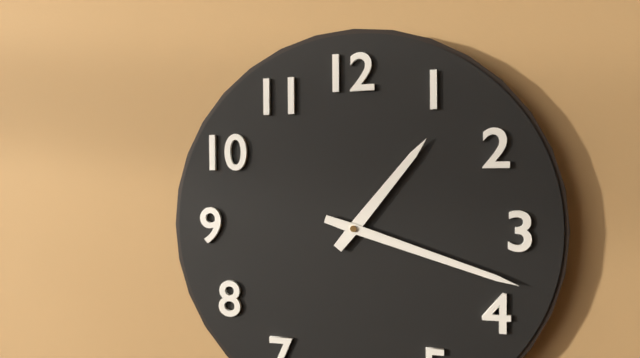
1:18
